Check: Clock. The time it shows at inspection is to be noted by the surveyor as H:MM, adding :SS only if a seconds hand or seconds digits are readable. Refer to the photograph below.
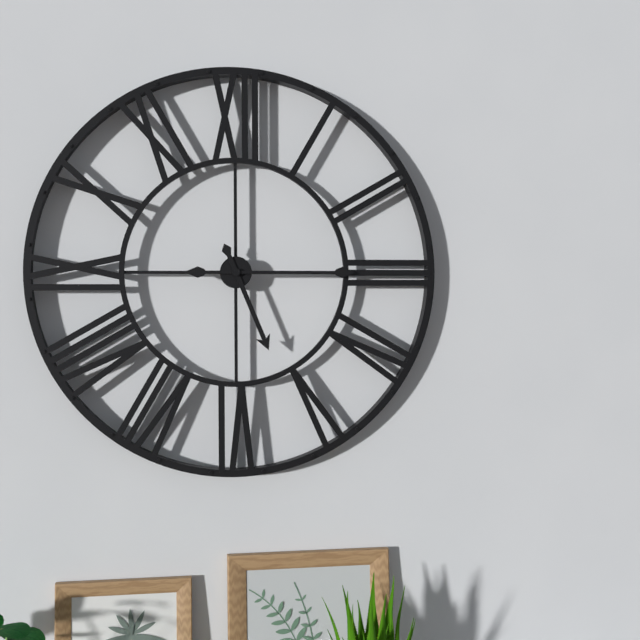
5:15
